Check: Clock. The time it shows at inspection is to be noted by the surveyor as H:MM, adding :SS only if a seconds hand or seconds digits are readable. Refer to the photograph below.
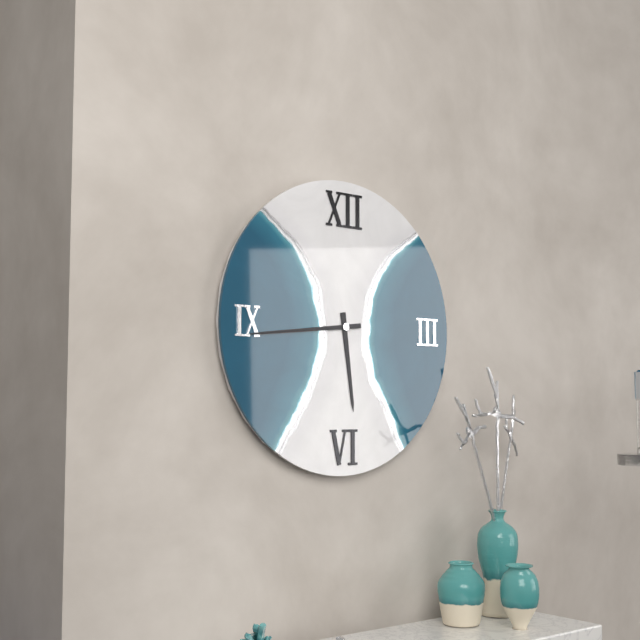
5:44
